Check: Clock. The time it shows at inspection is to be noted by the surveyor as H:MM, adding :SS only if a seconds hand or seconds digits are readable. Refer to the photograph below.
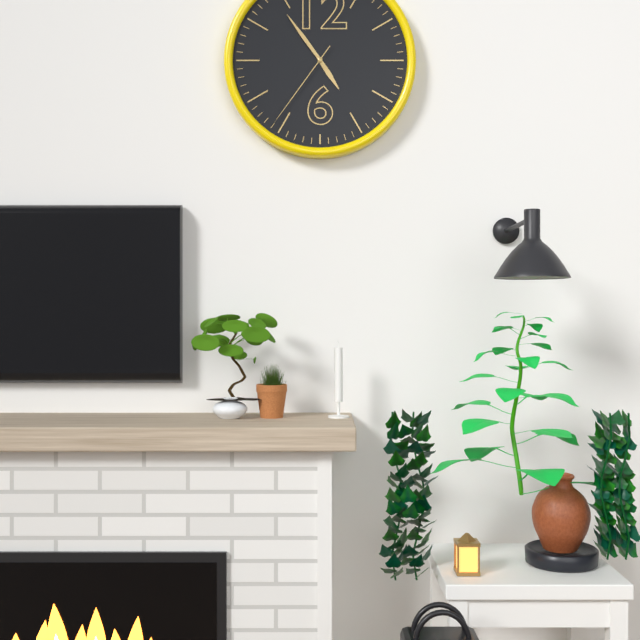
4:54:36
